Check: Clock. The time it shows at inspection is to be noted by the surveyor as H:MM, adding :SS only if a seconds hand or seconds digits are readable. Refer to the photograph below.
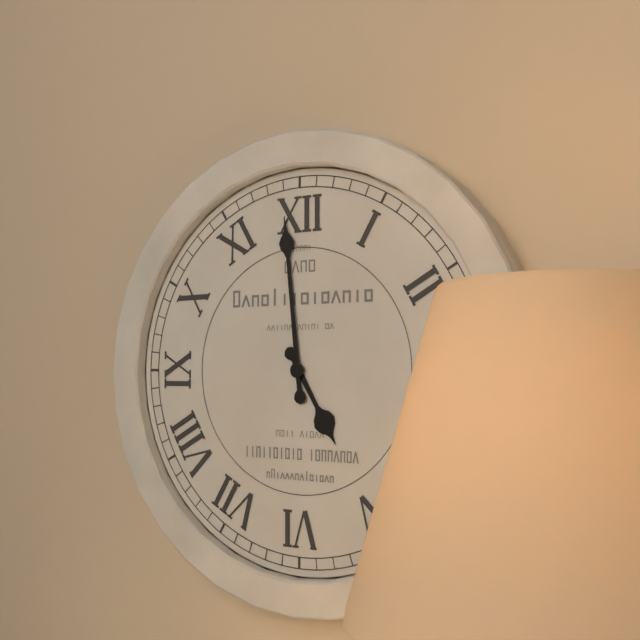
4:59
